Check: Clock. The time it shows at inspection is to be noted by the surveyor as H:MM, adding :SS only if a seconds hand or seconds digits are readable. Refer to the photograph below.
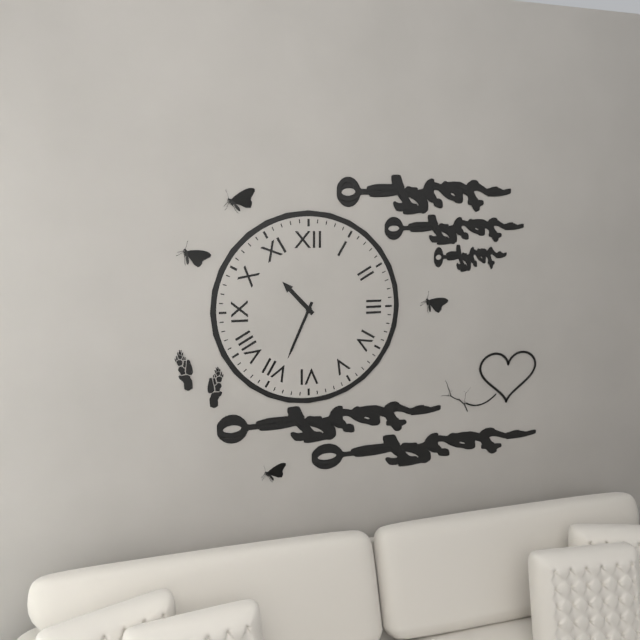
10:34
